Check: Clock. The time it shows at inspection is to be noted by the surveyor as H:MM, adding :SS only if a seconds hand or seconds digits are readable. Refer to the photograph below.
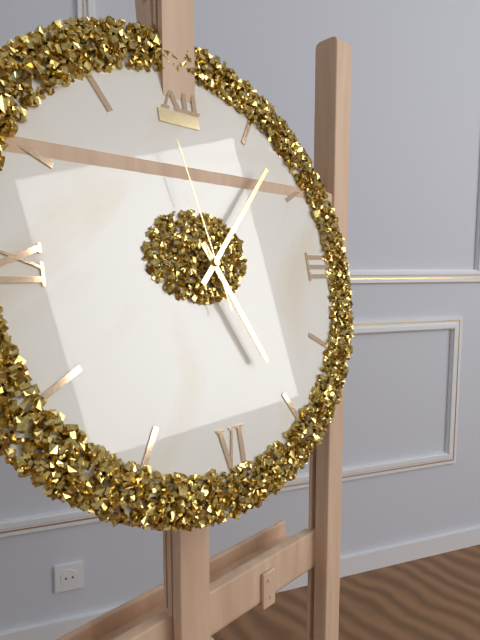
5:07:58
